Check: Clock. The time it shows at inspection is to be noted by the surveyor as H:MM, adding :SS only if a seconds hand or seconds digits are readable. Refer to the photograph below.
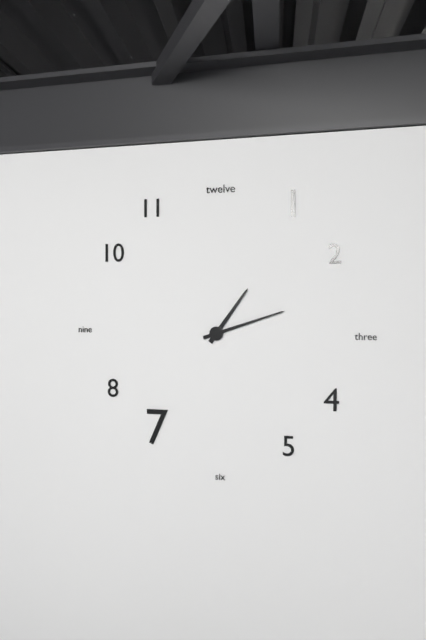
1:12
